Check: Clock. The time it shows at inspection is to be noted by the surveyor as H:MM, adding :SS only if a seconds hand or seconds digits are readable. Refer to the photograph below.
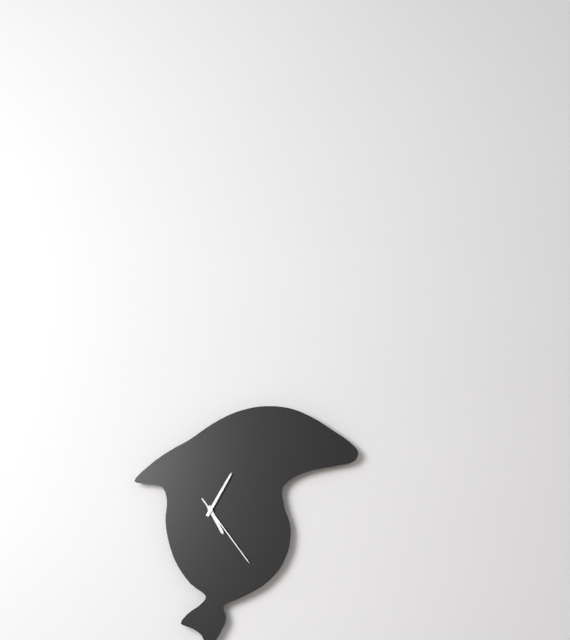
5:05:24
